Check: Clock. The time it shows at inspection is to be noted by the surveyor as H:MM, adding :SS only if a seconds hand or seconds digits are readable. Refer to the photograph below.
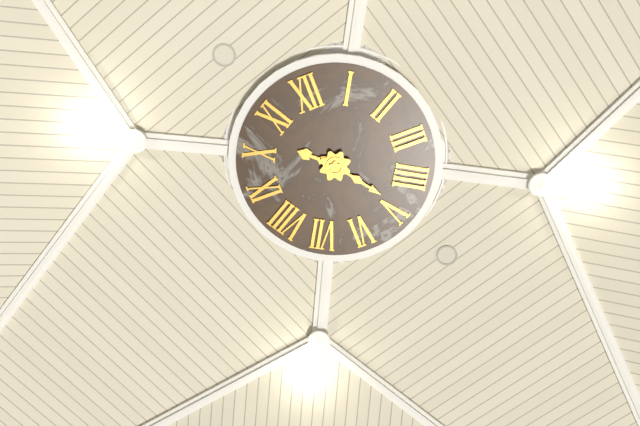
10:24
